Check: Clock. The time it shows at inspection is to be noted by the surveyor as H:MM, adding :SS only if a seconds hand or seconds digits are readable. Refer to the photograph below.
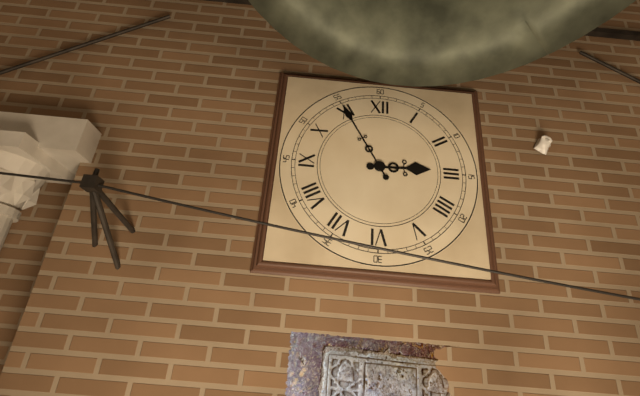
2:55
